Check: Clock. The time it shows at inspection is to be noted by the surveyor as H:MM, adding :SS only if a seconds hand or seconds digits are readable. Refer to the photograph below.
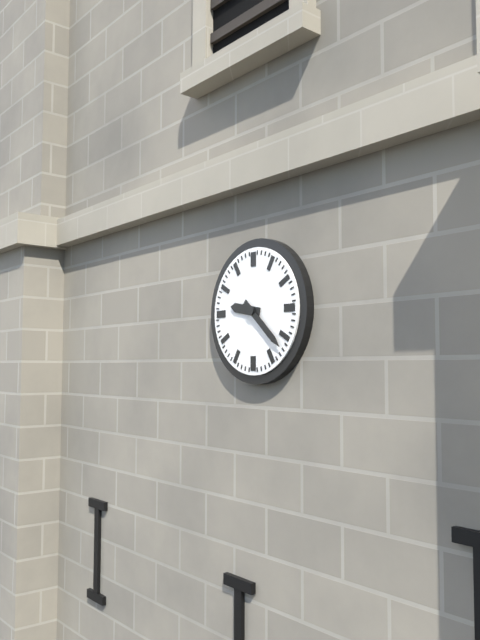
9:22
